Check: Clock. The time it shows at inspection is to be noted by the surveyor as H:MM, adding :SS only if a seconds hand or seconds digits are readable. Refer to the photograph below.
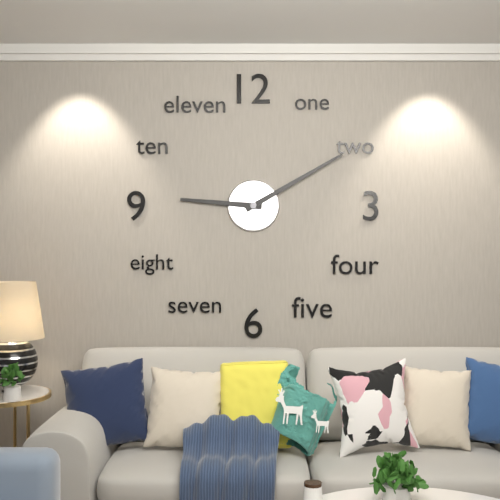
9:10
